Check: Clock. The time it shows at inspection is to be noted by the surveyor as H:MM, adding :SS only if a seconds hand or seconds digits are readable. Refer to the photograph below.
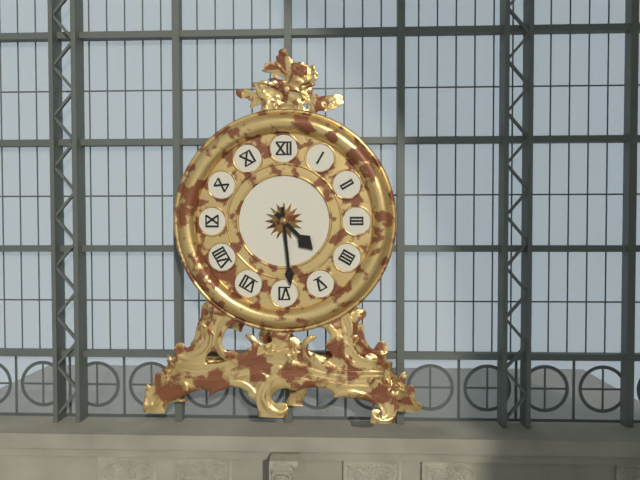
4:29
